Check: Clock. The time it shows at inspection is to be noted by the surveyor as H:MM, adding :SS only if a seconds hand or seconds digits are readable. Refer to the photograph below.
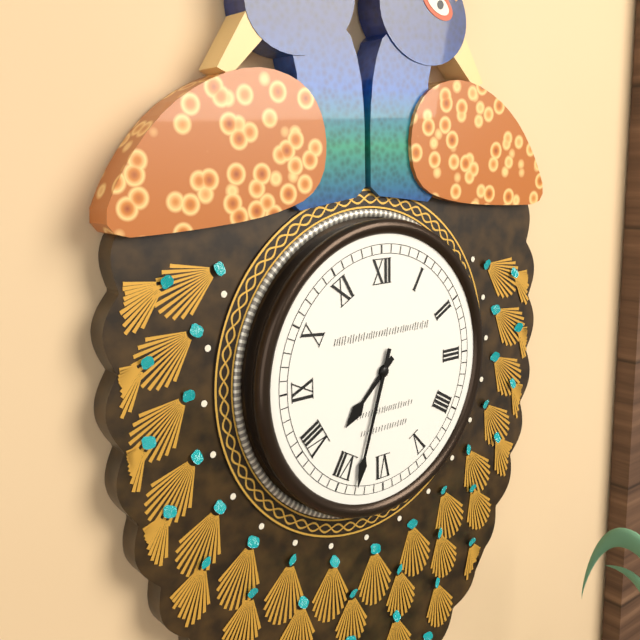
7:33
